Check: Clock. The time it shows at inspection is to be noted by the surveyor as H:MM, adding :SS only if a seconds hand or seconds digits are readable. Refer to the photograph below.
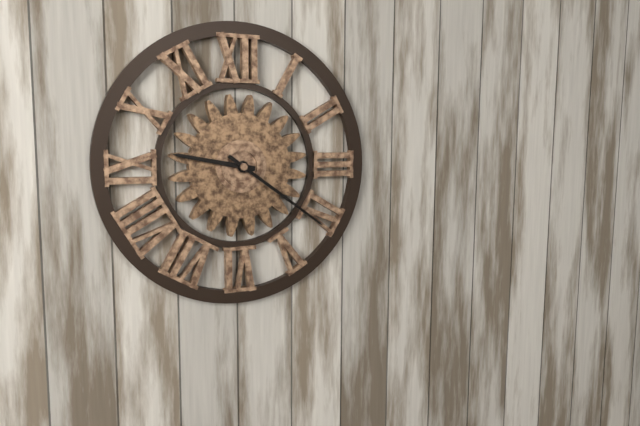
9:21
